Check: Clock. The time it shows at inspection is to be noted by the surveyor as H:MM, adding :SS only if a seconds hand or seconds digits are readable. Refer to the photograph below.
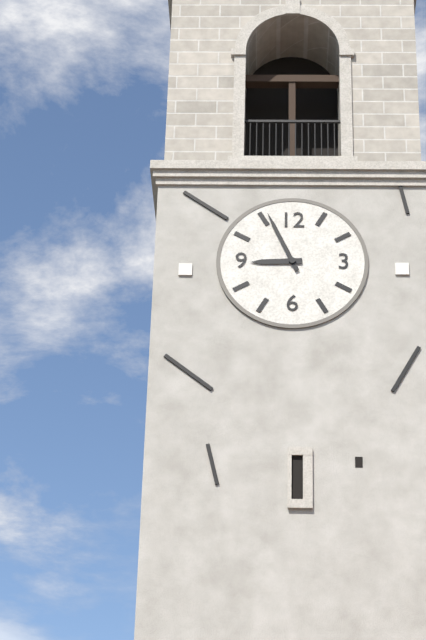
8:56
